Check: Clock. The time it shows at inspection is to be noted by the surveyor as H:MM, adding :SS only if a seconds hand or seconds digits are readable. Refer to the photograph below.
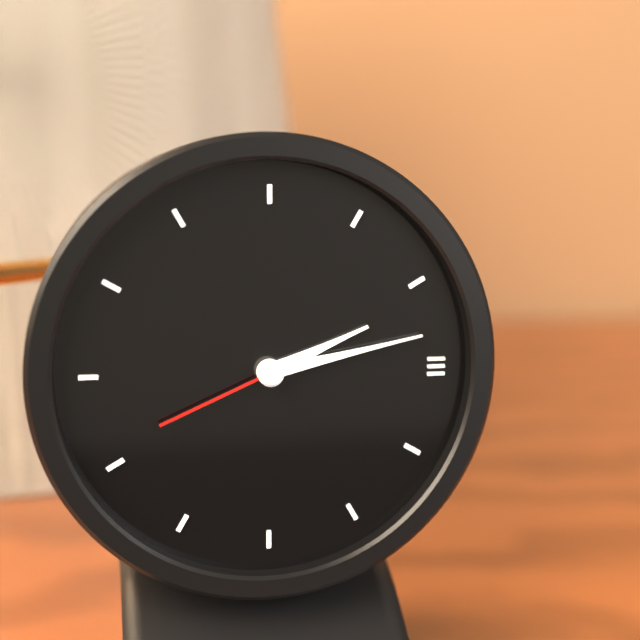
2:13:41
